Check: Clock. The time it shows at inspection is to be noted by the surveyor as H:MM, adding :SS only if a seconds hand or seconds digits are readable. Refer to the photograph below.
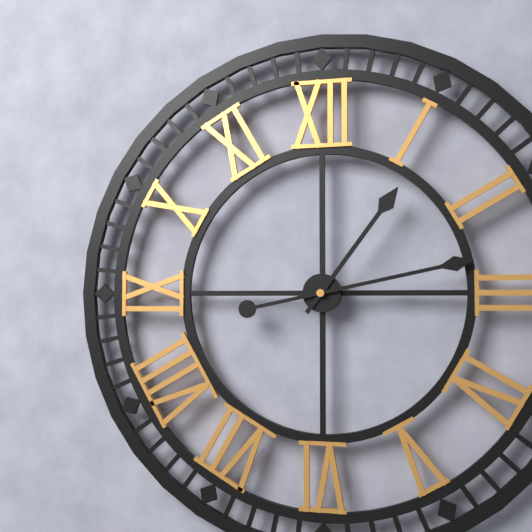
1:13
